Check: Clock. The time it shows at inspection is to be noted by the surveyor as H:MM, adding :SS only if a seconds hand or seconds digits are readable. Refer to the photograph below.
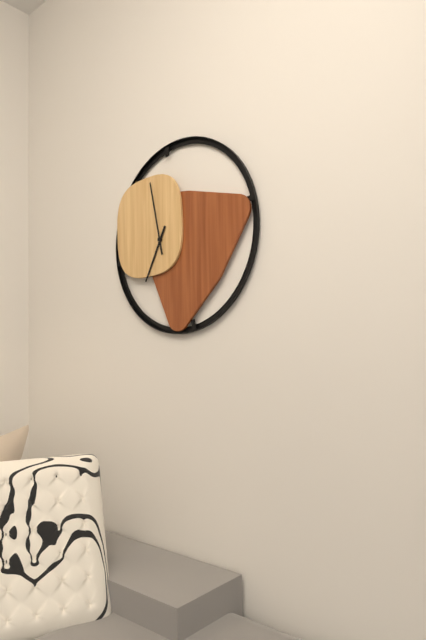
6:58
